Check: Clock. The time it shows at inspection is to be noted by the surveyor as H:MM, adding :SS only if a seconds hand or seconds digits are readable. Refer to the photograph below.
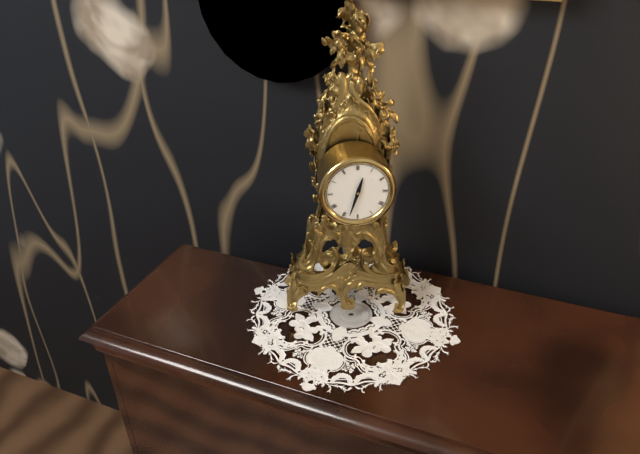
12:33
